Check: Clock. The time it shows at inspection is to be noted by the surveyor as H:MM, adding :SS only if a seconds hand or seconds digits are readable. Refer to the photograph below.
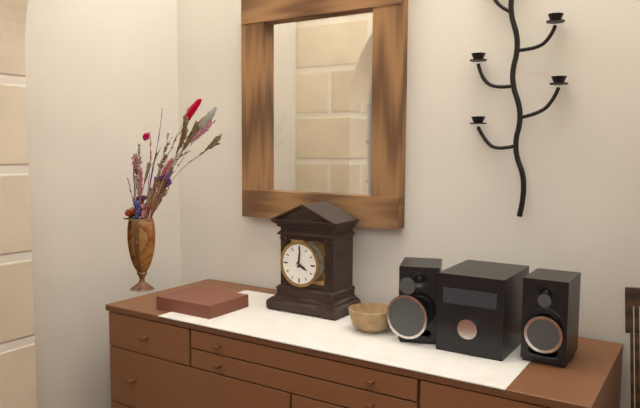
4:01
